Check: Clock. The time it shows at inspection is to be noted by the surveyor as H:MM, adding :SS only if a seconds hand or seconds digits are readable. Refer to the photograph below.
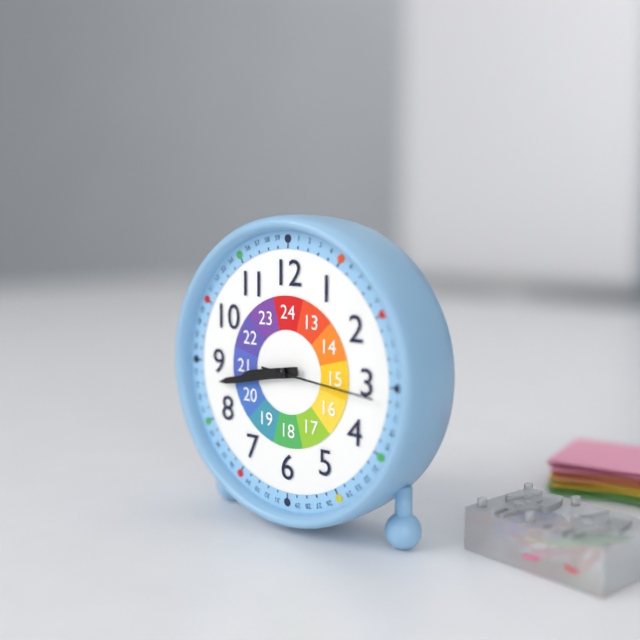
8:43:16
